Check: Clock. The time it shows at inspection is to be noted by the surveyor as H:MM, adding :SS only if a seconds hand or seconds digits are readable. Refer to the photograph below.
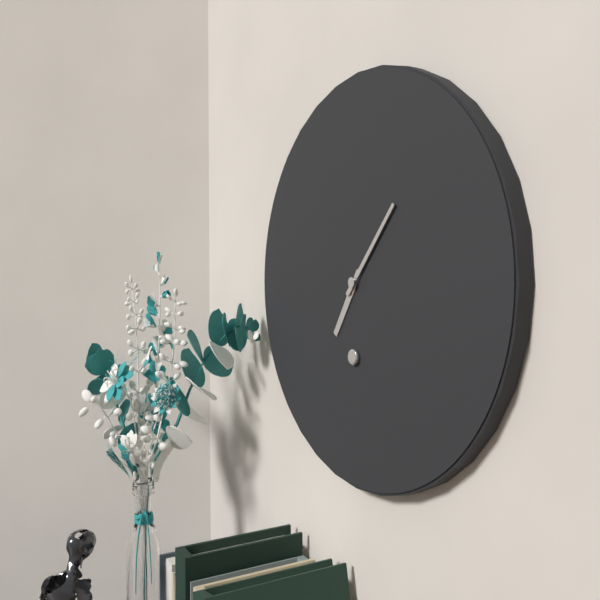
7:07
